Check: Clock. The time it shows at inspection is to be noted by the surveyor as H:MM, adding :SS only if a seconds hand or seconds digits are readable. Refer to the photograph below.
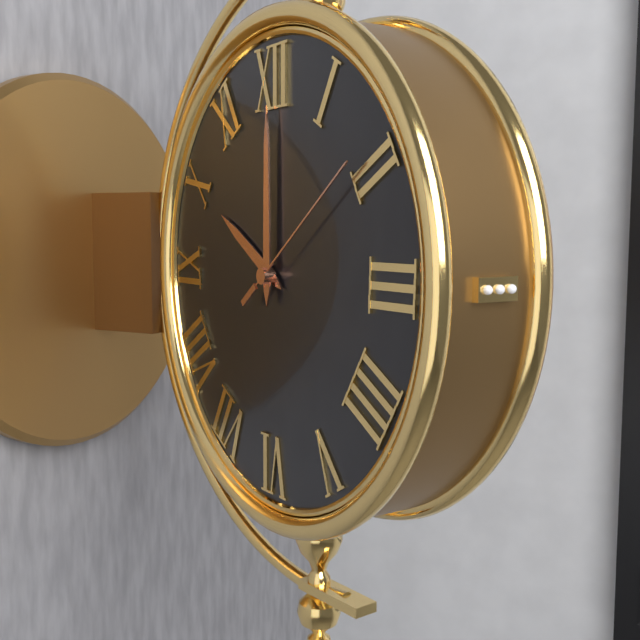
10:00:09
